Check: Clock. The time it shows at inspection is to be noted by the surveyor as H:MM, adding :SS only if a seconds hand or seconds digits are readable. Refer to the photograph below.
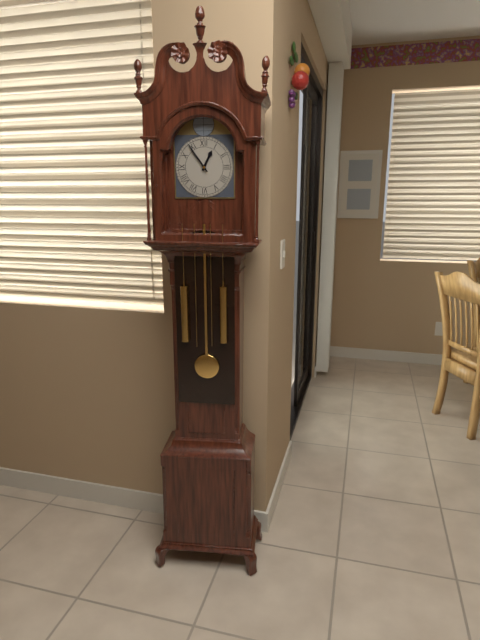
12:54
